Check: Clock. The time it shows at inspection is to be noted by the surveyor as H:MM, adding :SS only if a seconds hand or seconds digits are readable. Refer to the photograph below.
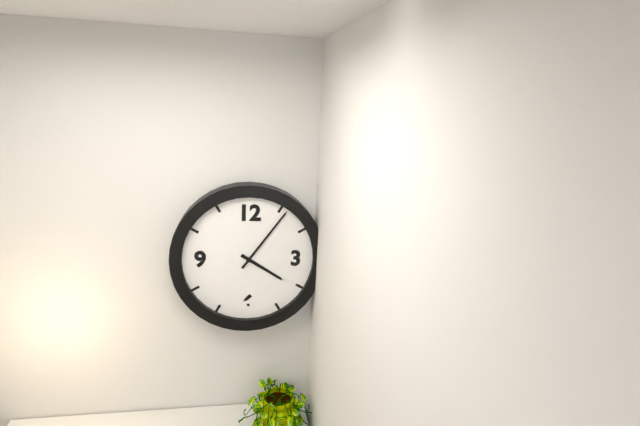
4:06
